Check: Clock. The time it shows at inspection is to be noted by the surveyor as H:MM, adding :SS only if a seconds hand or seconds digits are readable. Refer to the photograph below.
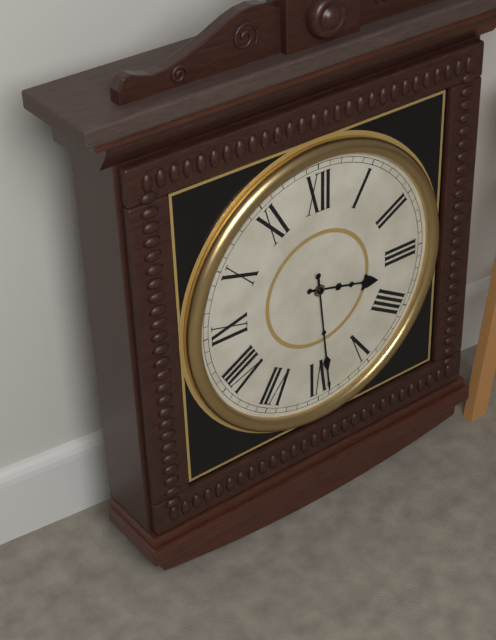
3:29
